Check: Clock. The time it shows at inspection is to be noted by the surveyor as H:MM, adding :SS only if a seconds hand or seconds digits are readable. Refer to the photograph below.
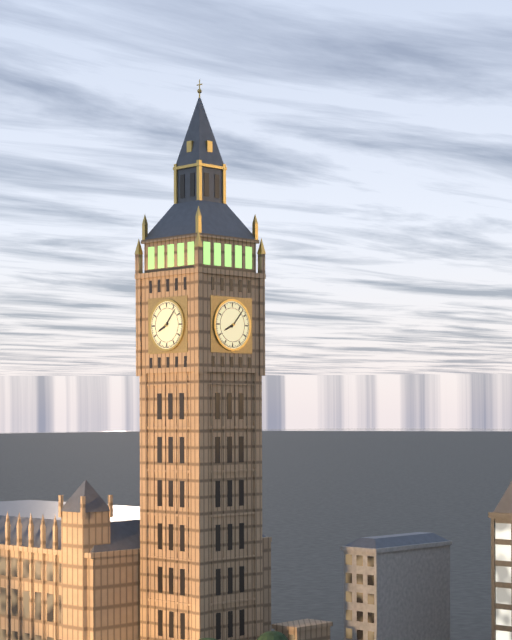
8:07
